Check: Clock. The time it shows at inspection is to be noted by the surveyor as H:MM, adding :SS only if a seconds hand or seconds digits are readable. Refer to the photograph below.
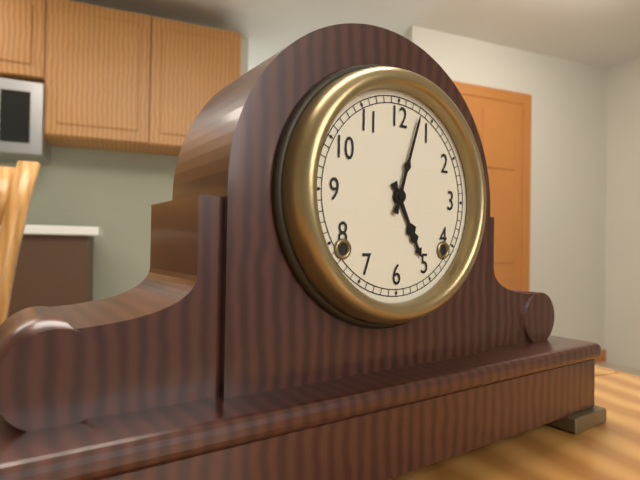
5:03
